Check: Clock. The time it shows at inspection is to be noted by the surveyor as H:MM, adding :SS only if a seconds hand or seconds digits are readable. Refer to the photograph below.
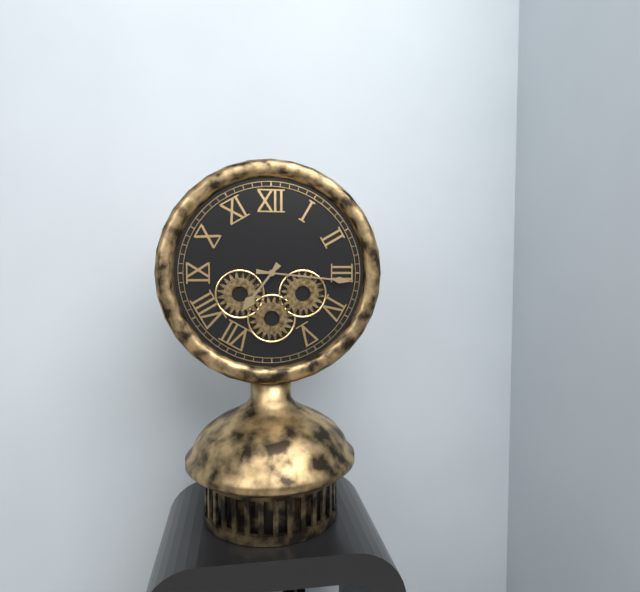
7:16
